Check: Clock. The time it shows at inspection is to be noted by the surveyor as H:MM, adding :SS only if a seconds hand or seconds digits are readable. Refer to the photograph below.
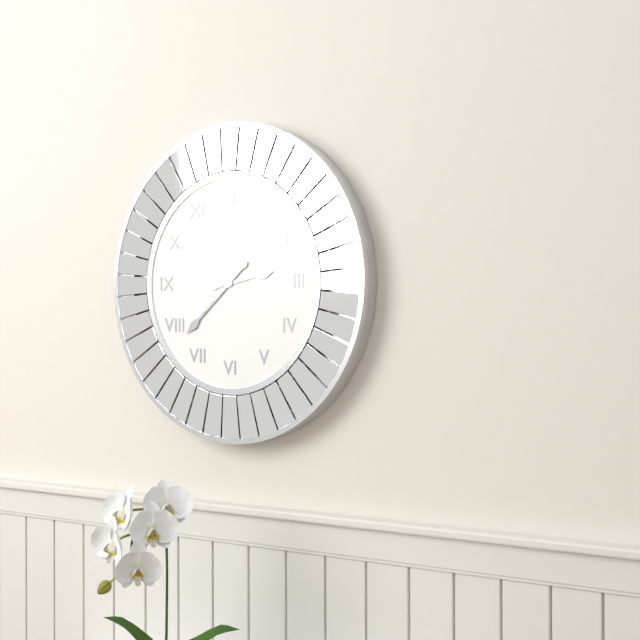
2:38
